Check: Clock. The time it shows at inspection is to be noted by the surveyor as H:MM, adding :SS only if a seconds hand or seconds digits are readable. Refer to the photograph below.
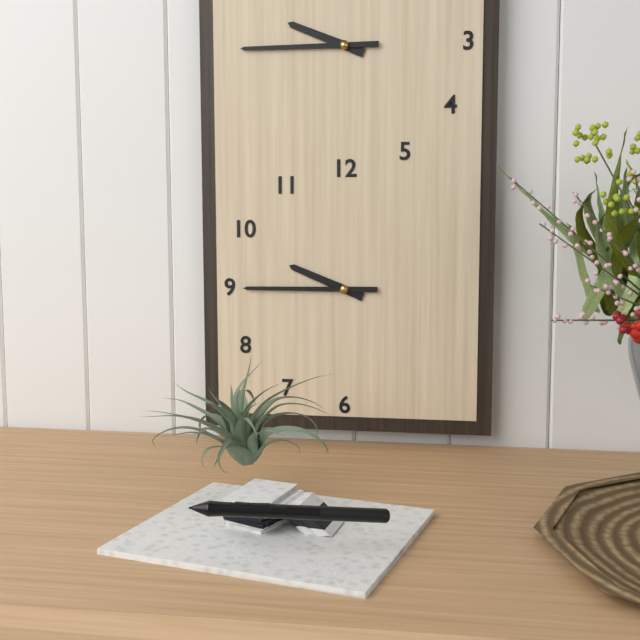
9:45
